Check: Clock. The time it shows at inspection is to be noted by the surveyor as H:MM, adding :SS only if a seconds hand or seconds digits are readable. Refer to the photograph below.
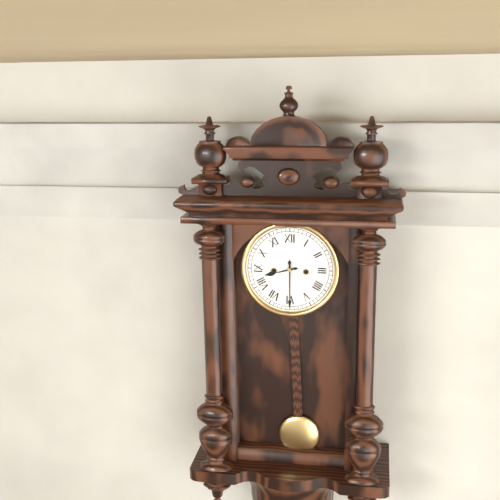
8:30
